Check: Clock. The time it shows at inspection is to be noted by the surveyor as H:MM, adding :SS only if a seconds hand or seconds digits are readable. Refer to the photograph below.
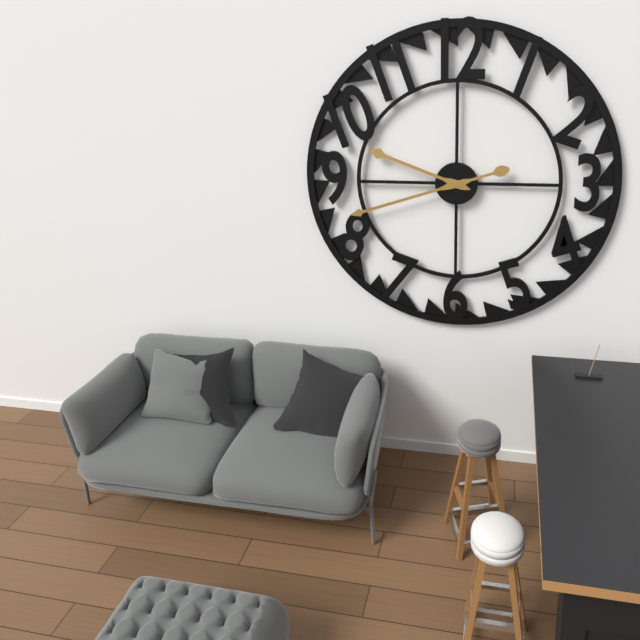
9:42
